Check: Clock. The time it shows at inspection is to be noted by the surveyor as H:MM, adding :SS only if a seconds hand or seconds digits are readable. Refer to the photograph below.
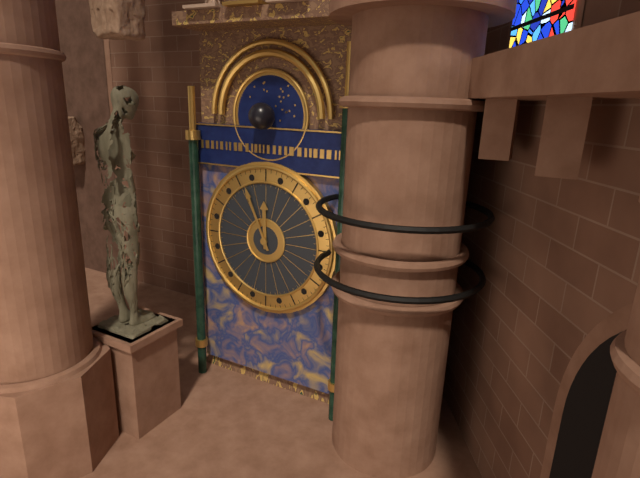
11:56
